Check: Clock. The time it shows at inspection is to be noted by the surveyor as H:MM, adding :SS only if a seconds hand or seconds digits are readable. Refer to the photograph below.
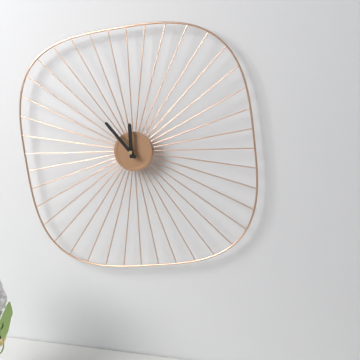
11:53
